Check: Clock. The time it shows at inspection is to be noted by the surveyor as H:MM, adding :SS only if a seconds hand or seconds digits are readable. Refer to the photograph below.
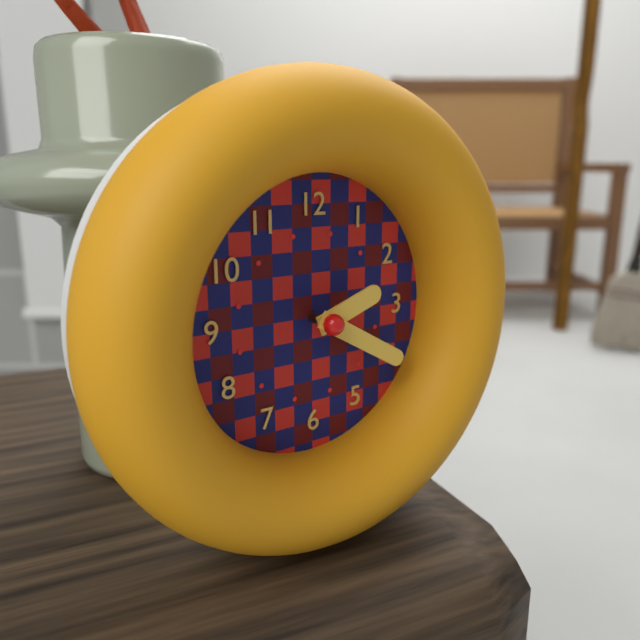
2:20
